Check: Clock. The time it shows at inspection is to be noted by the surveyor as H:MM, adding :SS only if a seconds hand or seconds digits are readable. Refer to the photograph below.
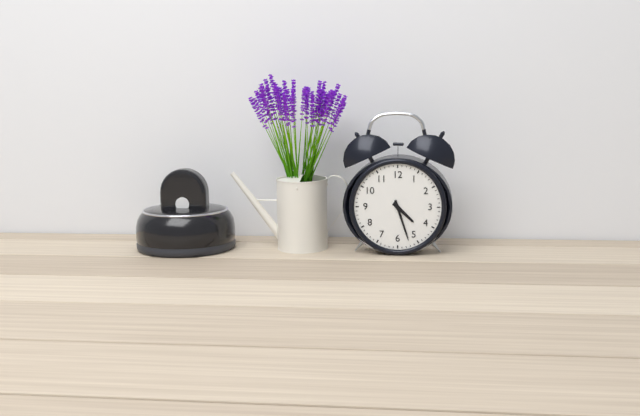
4:27
